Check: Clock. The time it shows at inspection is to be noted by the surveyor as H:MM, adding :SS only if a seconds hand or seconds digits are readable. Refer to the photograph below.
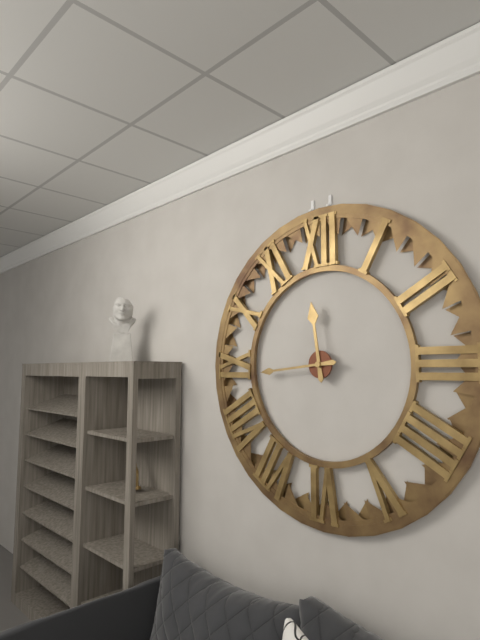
11:44
